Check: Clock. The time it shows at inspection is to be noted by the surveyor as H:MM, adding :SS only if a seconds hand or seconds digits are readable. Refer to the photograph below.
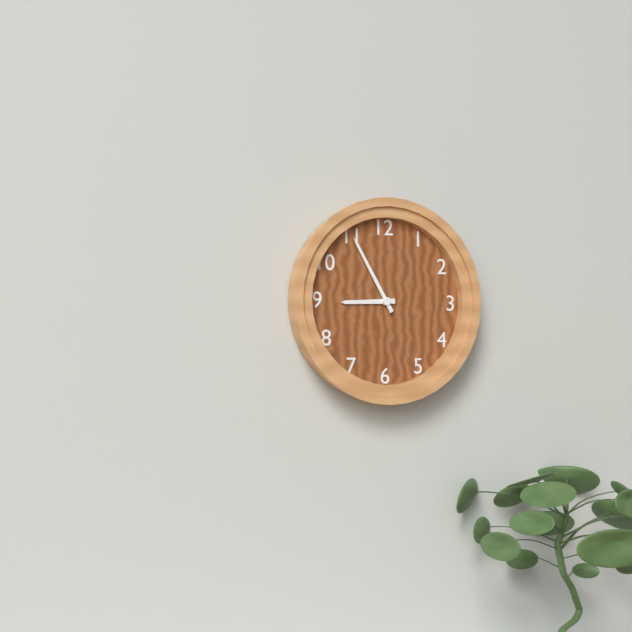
8:55
